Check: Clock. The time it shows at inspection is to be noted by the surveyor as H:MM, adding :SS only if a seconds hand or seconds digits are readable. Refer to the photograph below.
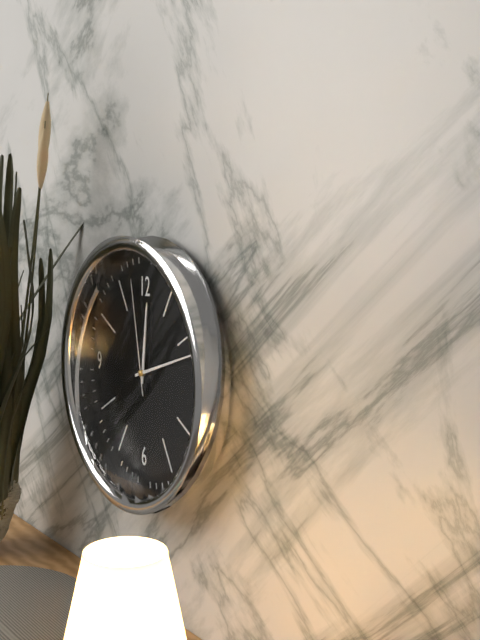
12:12:58
